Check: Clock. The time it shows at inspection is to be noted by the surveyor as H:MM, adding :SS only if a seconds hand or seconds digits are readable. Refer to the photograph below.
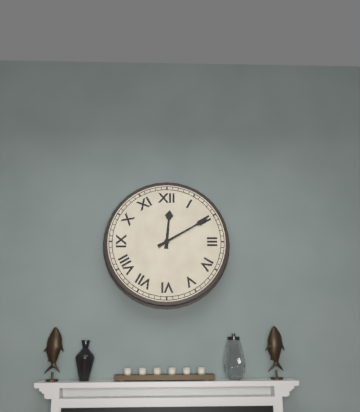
12:10
